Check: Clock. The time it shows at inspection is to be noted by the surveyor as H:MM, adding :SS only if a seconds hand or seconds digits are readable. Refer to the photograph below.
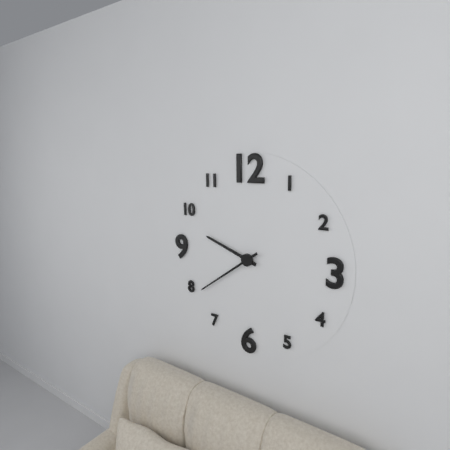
9:39
